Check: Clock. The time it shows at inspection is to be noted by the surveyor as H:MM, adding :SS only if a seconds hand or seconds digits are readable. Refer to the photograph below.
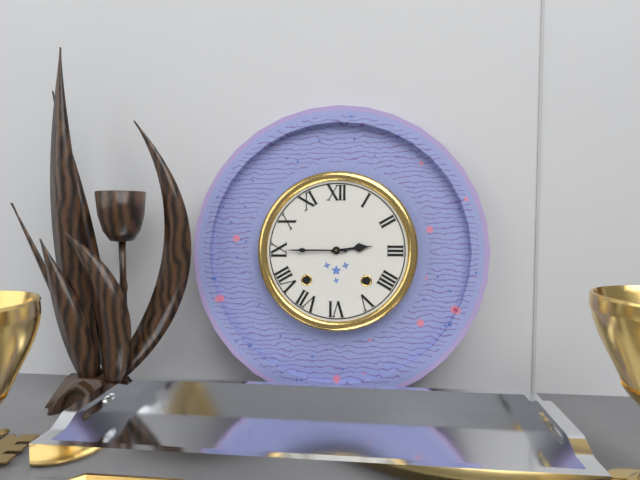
2:45
